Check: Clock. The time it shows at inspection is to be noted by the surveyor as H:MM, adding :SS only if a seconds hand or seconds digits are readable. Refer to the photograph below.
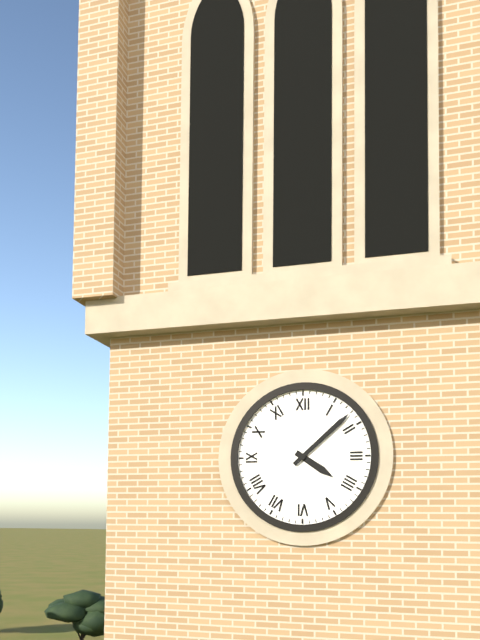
4:08
